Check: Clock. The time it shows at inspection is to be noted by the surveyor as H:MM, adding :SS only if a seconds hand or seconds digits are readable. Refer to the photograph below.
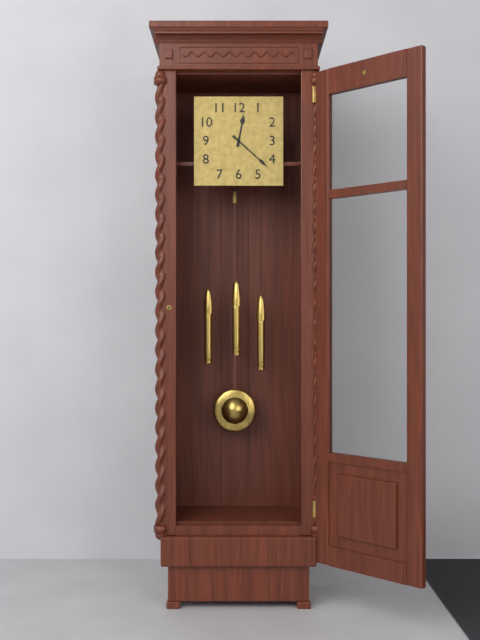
12:22
